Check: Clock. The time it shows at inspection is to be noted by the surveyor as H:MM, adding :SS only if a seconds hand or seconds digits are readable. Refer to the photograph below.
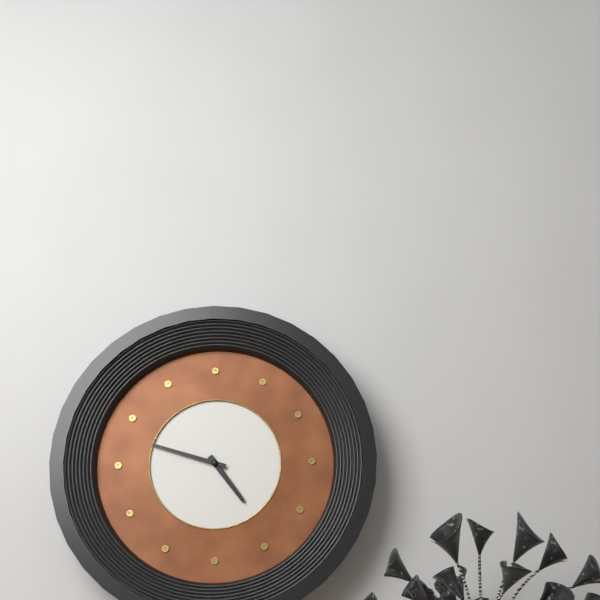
4:48
